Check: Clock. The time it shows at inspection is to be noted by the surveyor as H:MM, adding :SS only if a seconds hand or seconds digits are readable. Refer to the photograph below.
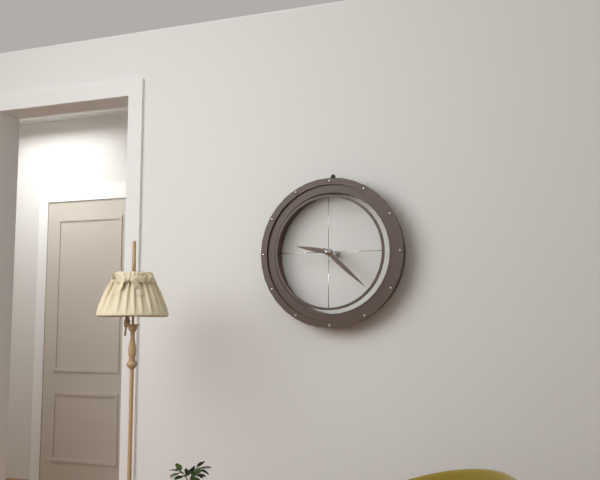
9:22
